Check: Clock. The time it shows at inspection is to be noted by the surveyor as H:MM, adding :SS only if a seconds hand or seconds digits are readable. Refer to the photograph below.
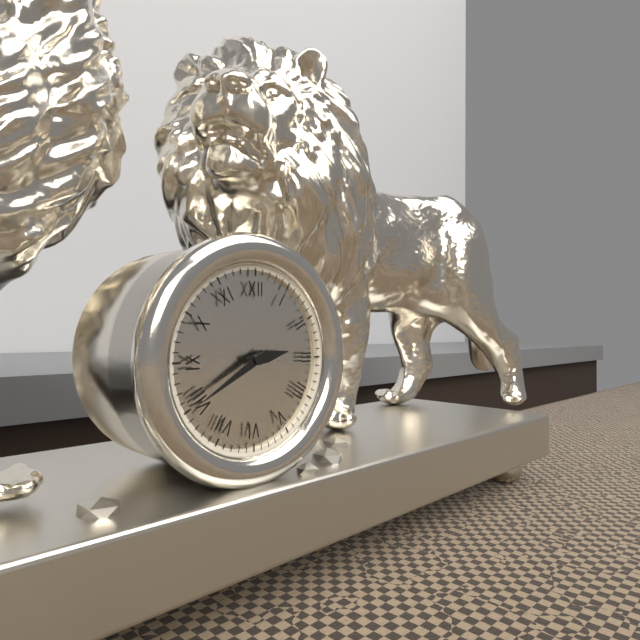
2:40
